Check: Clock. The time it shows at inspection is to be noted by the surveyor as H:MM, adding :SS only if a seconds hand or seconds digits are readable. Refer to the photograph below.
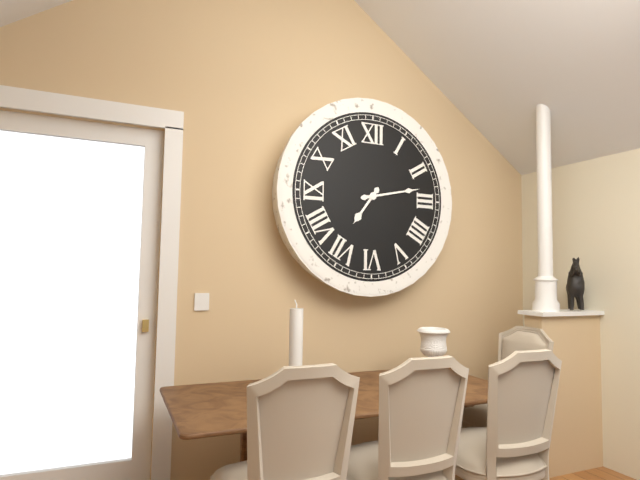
7:13
